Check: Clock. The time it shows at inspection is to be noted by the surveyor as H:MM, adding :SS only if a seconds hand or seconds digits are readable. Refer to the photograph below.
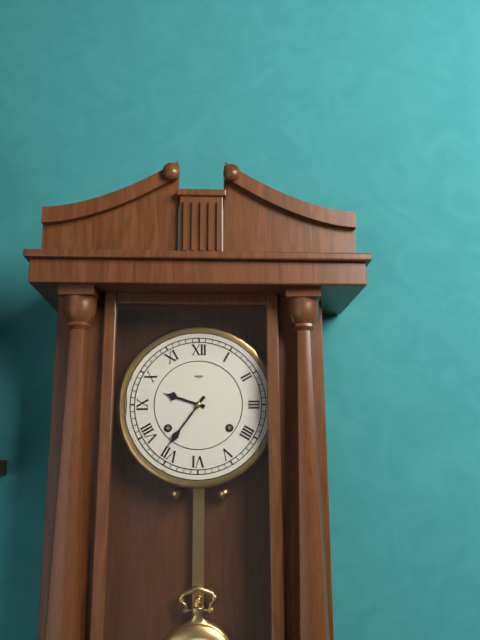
9:36
